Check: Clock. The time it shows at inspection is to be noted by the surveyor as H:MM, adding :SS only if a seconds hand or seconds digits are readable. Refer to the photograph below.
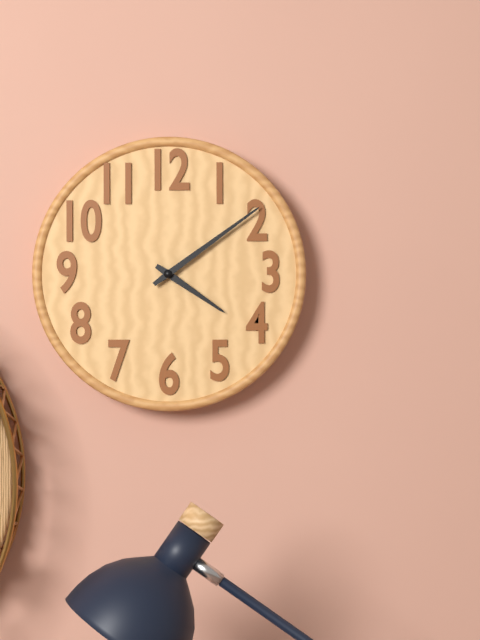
4:09
